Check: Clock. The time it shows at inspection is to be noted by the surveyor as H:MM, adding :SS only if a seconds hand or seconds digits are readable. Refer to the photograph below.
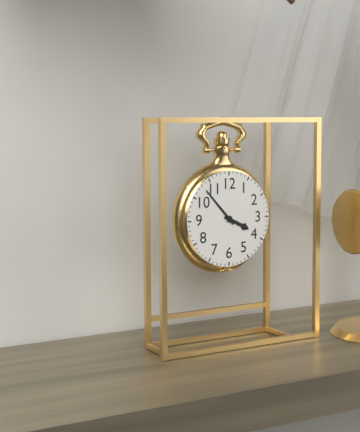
3:53
